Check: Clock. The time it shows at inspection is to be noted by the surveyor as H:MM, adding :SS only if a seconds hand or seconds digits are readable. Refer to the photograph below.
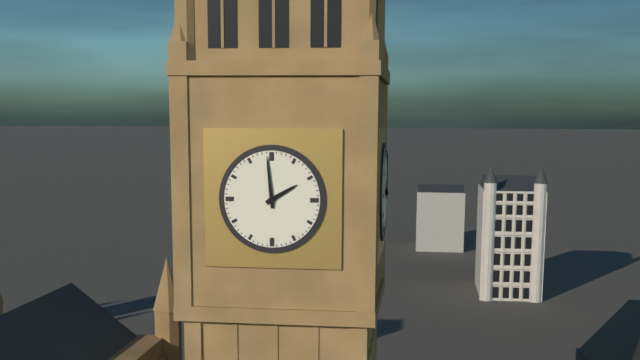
1:59
